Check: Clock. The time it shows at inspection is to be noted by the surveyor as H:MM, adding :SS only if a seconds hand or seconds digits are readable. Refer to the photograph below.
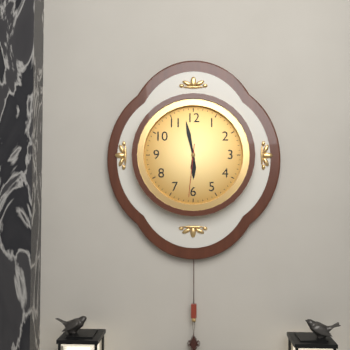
5:58:31
